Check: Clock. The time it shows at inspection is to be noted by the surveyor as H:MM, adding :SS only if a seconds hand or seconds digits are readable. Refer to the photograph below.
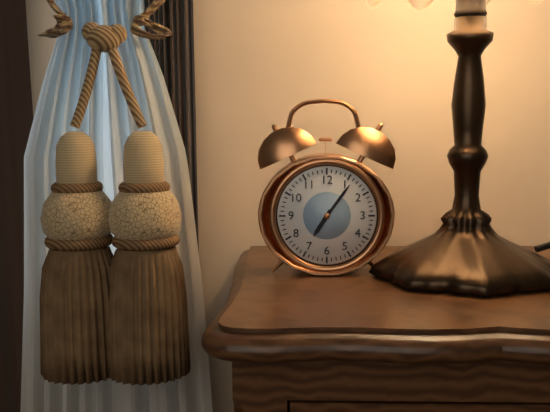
7:06
